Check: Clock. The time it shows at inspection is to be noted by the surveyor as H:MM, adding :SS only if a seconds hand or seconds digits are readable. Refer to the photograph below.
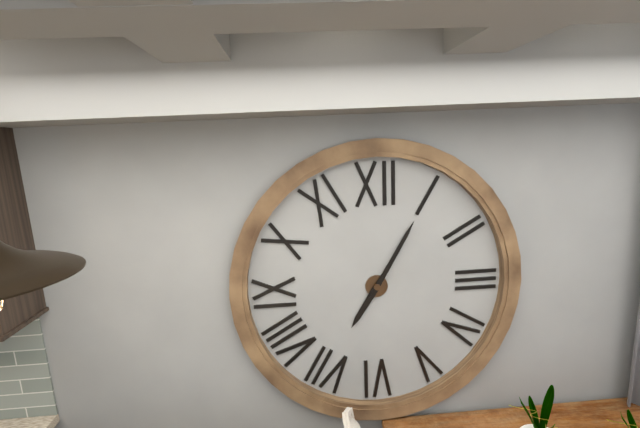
7:05
